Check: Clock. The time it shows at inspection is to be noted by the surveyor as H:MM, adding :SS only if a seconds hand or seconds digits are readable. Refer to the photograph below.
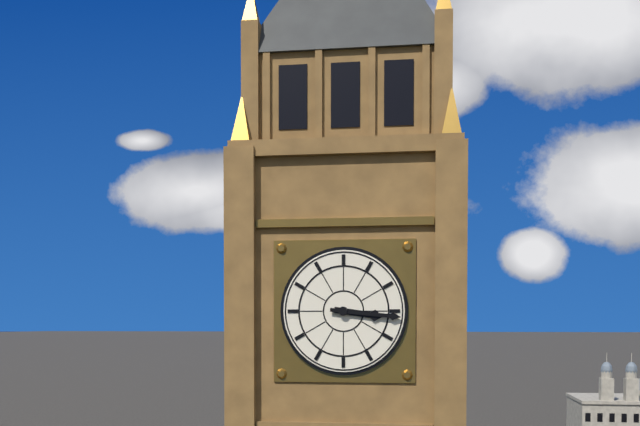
3:16
